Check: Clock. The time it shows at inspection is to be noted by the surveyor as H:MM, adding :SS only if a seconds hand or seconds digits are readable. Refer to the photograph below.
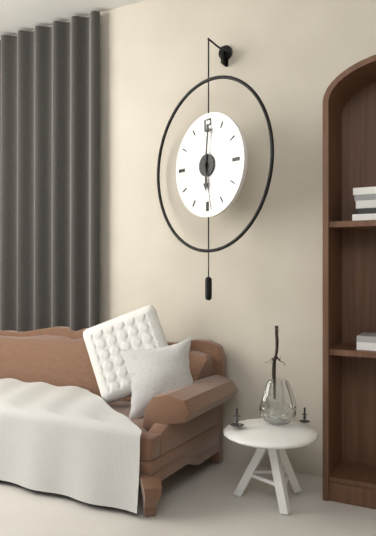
6:01:28
